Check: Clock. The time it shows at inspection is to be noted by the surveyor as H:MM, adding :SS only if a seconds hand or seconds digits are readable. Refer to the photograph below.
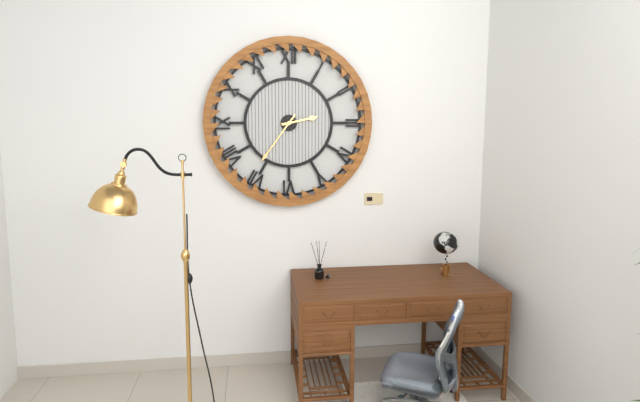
2:36
